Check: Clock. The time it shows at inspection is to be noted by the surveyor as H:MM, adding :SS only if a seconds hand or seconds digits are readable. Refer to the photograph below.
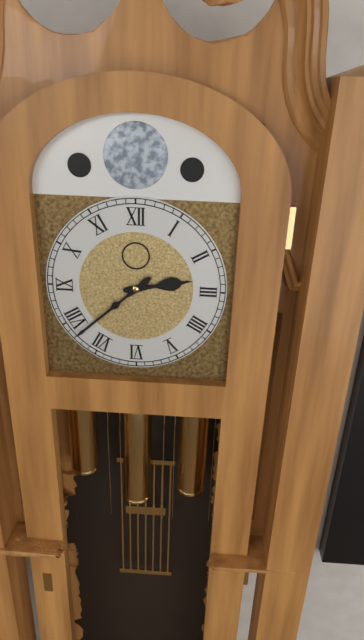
2:38
